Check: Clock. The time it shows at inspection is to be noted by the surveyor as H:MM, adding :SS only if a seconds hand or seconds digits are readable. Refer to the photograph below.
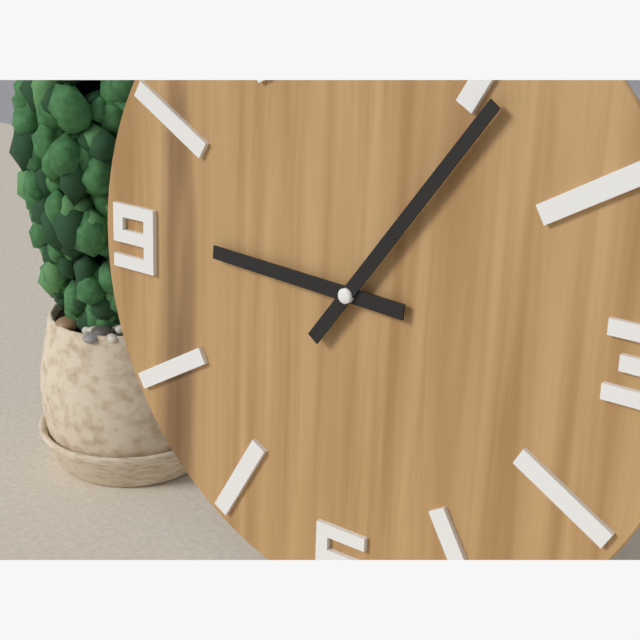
9:06
